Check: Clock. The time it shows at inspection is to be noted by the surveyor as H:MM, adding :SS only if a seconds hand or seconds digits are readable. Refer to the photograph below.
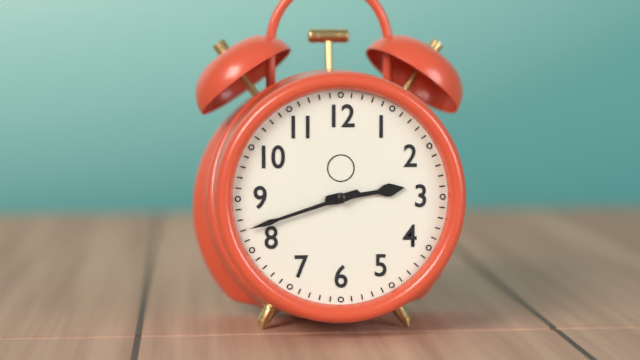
2:42
